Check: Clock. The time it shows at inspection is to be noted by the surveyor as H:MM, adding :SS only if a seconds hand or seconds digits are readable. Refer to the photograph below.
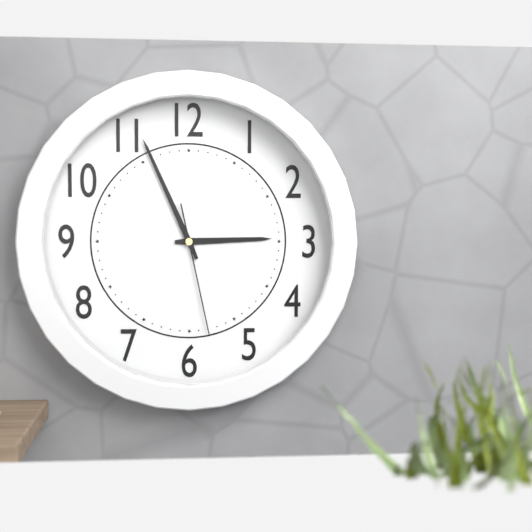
2:56:28
